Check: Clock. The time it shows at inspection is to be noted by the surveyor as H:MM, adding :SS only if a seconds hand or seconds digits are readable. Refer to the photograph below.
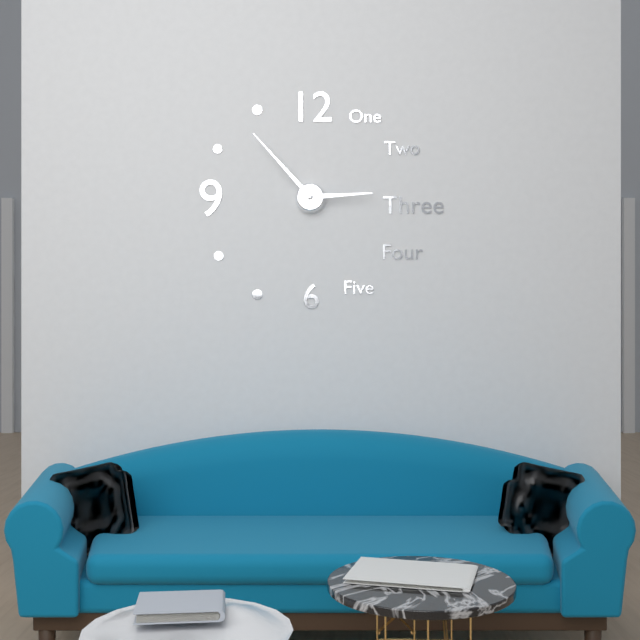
2:53
